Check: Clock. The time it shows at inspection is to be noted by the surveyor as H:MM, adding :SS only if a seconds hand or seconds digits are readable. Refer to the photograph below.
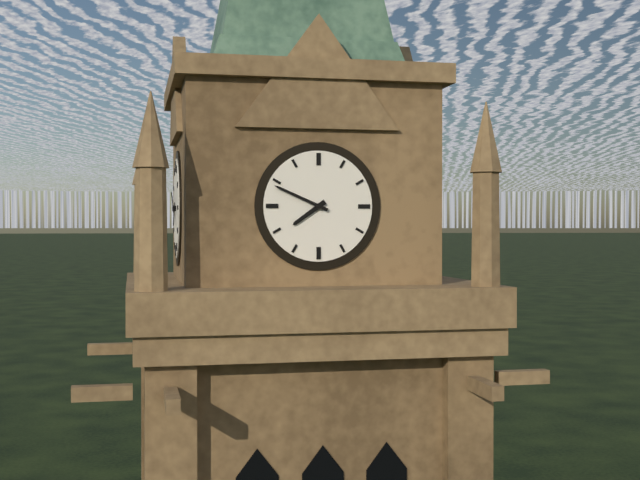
7:49
